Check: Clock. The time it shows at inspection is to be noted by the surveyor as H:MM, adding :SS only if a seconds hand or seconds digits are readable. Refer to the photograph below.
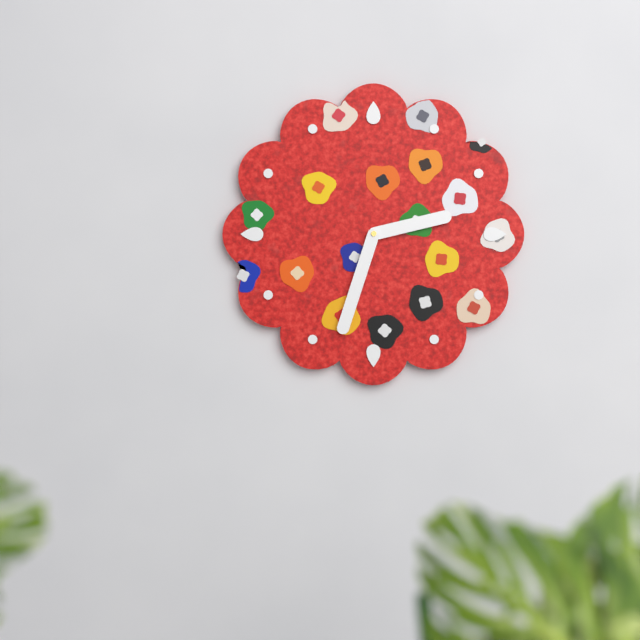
2:33
